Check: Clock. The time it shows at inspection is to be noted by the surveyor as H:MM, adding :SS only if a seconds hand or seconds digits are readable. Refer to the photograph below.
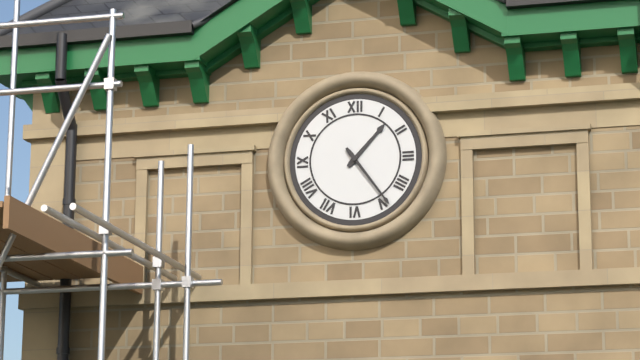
1:24
